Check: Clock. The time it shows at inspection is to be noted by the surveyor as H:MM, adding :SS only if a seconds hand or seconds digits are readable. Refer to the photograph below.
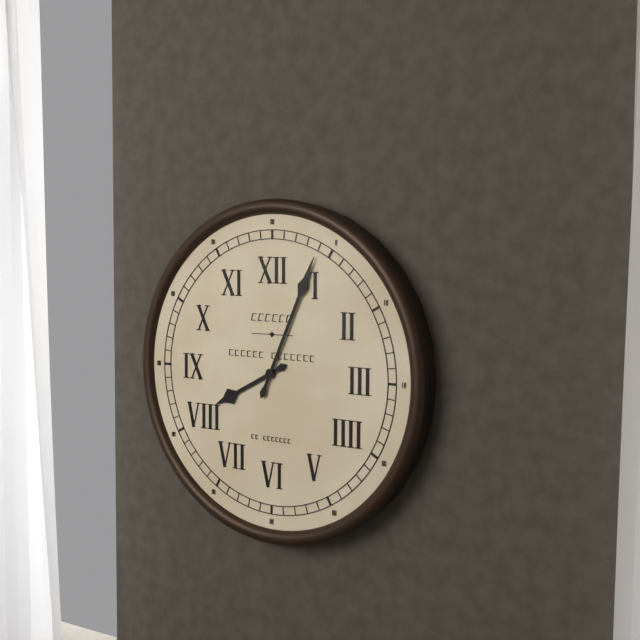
8:04
